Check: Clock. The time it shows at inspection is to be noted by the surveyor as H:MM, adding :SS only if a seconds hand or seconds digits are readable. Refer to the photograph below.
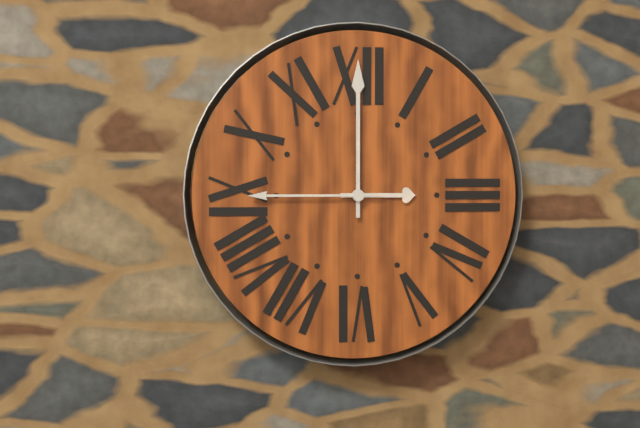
3:00:45
